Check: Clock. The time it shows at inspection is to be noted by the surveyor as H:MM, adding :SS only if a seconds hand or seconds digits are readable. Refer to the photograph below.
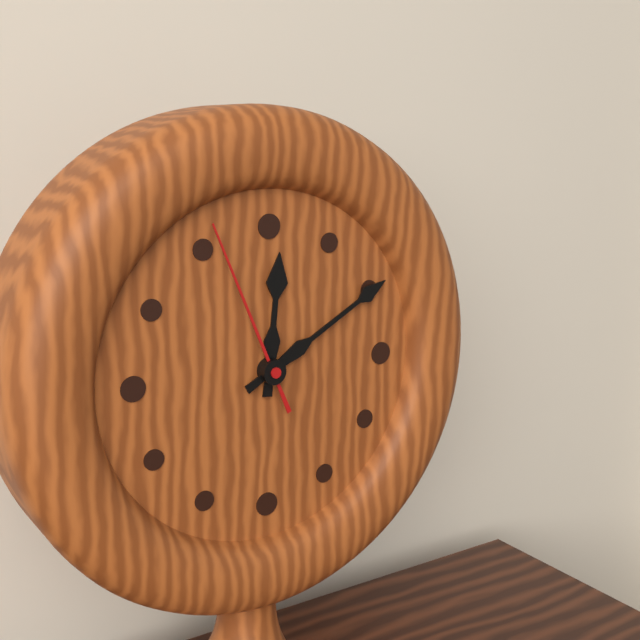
12:10:56
